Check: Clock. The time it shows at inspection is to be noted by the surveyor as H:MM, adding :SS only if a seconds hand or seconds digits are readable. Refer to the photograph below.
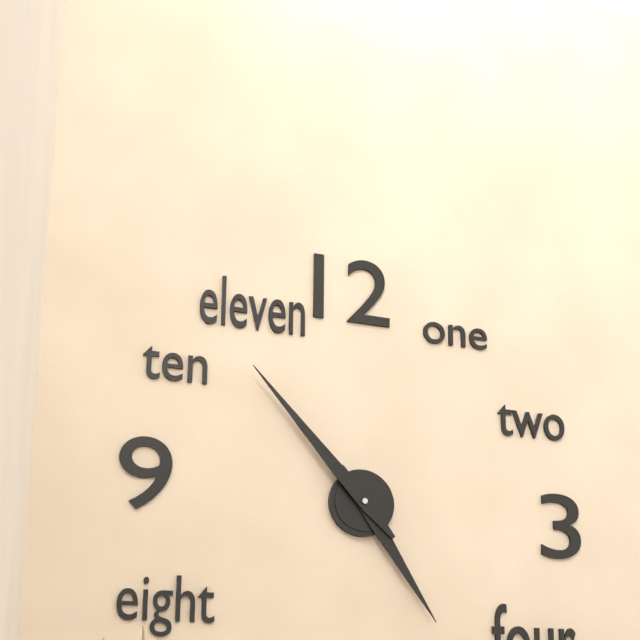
4:53
